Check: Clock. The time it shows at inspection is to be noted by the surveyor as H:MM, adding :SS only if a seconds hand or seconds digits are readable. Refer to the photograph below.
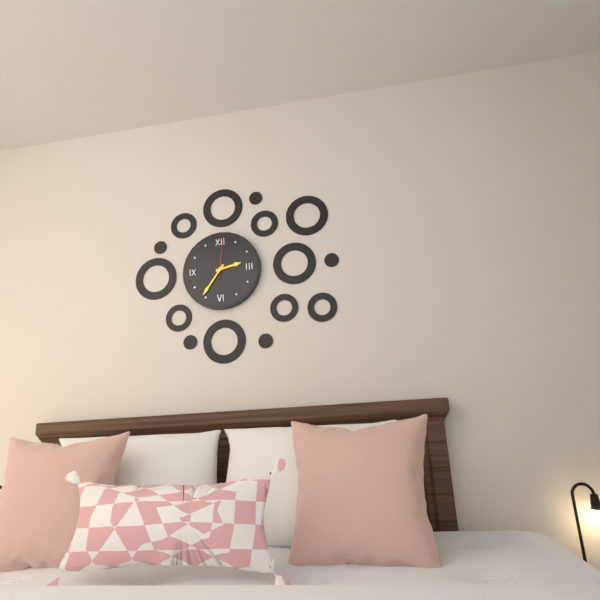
2:36
